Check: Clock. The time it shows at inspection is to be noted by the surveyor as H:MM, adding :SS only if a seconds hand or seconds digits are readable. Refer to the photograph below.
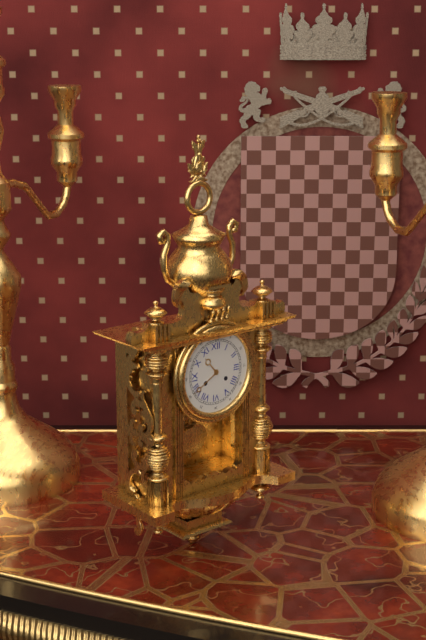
10:40
